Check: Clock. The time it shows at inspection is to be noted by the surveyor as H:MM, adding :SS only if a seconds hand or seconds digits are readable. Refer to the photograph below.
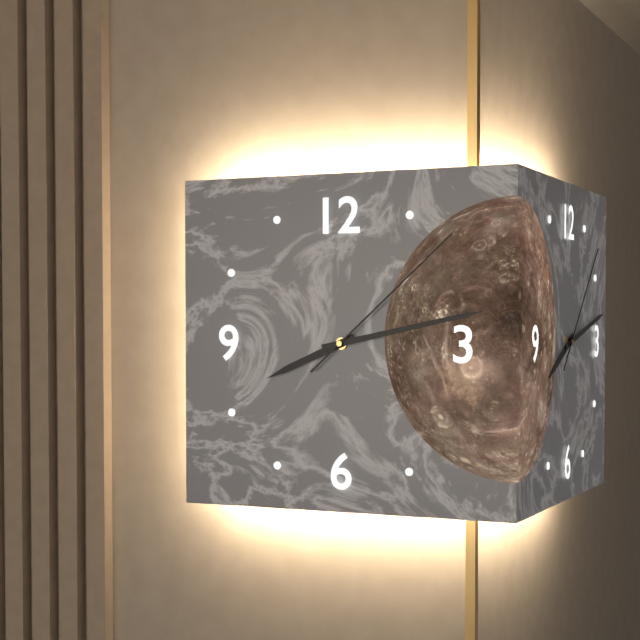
8:13:08
